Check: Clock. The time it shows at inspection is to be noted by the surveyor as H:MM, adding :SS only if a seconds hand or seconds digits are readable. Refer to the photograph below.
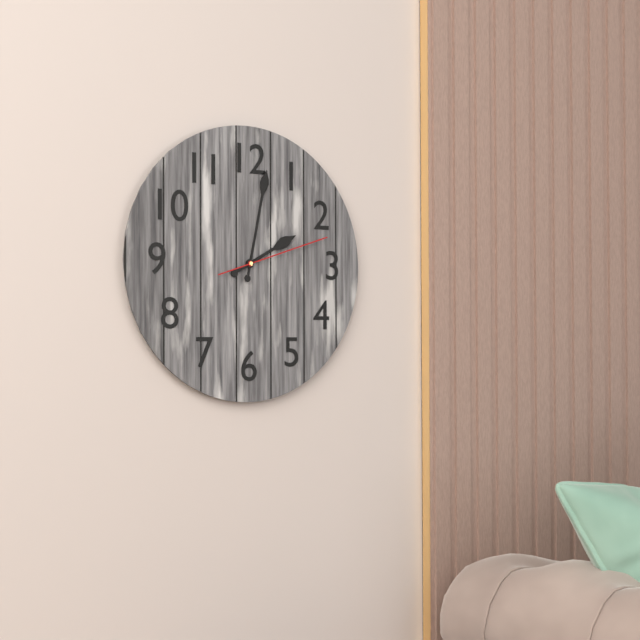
2:02:12
